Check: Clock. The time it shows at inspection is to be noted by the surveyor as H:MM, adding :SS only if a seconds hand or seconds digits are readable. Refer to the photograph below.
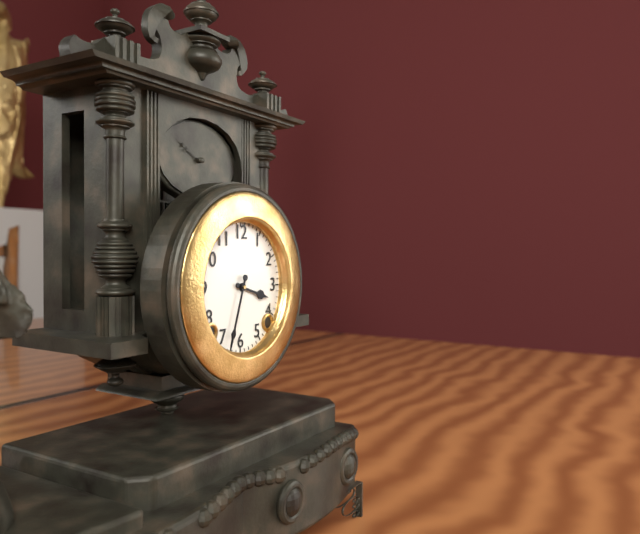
3:33
